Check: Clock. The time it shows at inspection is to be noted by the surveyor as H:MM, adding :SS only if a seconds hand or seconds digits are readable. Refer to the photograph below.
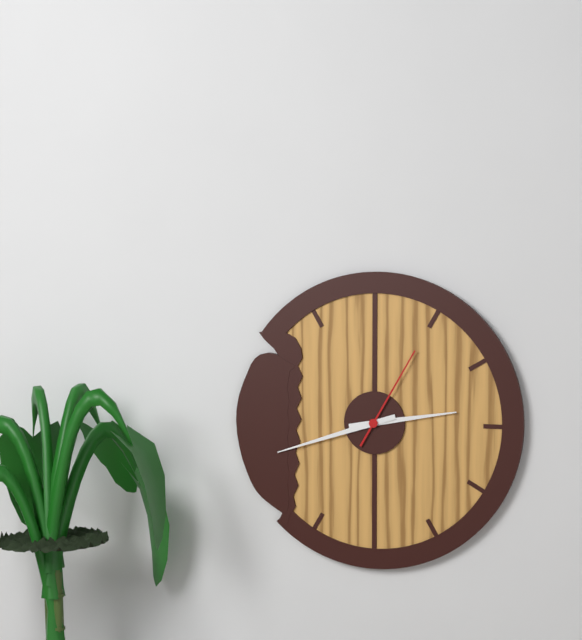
2:42:05
